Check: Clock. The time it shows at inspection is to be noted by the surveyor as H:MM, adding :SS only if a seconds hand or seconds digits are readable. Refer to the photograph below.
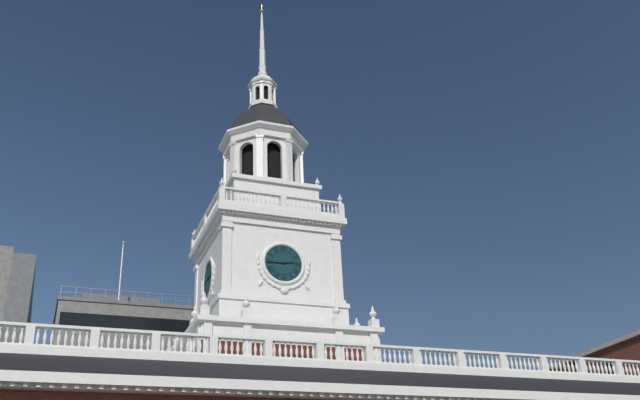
2:45
